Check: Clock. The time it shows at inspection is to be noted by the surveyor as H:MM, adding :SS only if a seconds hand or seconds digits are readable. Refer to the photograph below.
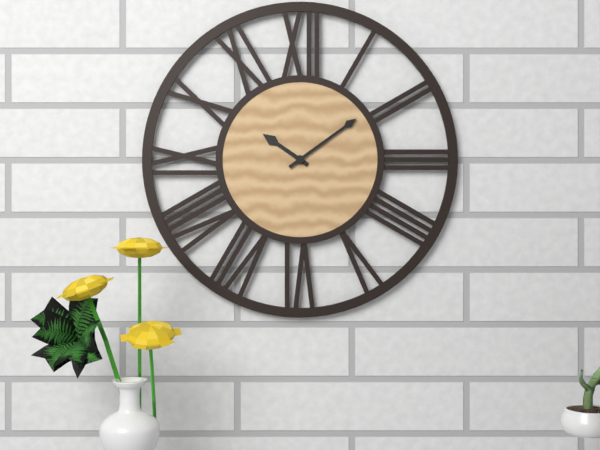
10:09
